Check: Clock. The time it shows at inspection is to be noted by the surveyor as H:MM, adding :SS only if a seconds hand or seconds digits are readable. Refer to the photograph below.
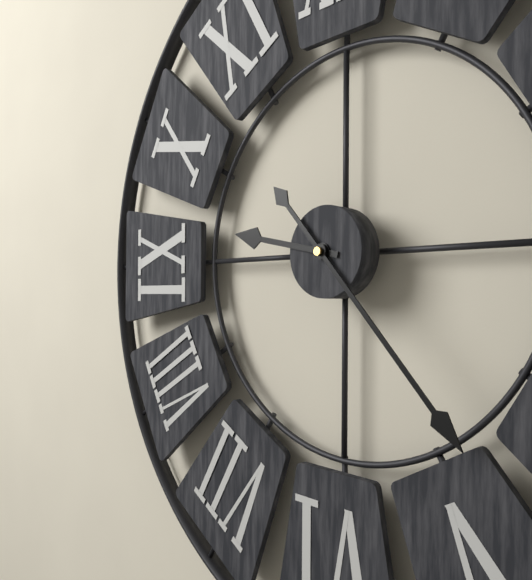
9:23
